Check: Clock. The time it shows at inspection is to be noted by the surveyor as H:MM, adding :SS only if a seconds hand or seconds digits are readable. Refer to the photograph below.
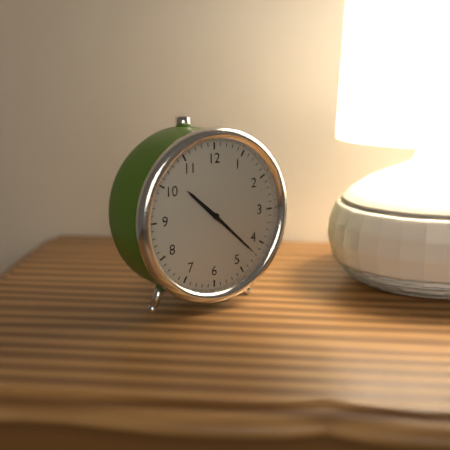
10:22
